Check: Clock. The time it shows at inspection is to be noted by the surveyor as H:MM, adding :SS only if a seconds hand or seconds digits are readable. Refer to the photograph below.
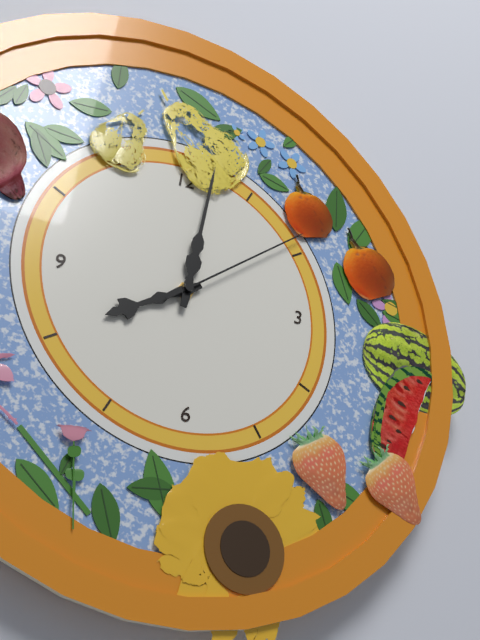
8:02:09
